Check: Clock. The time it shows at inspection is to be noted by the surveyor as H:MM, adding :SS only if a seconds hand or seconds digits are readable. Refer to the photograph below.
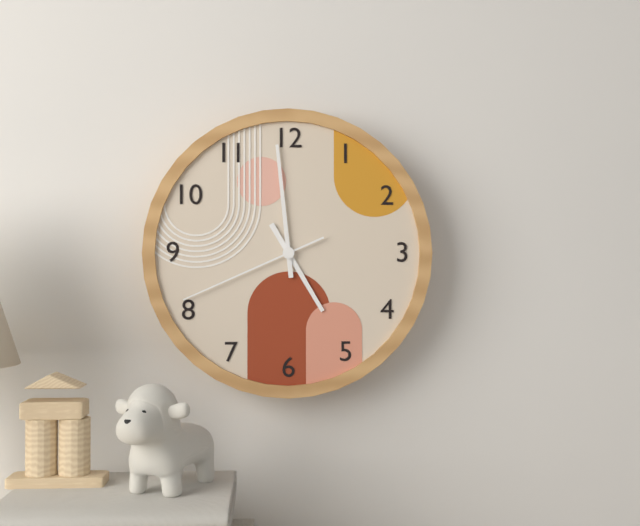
4:59:41
